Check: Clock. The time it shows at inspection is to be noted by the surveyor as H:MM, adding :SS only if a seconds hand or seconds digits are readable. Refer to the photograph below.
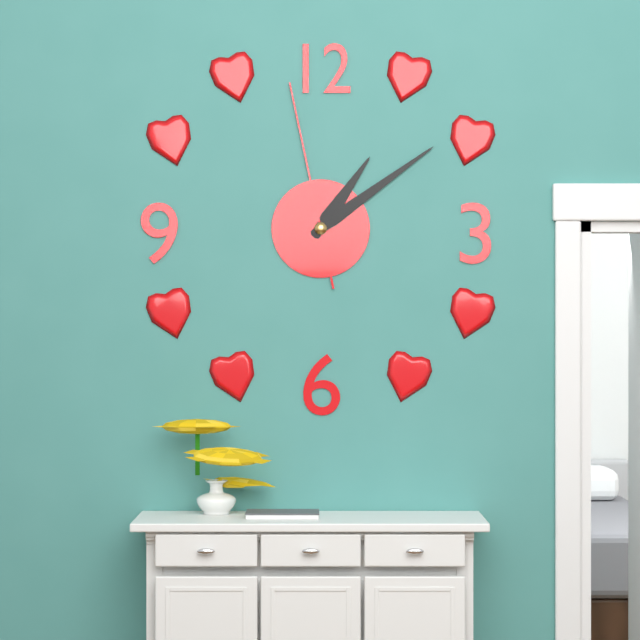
1:09:58
